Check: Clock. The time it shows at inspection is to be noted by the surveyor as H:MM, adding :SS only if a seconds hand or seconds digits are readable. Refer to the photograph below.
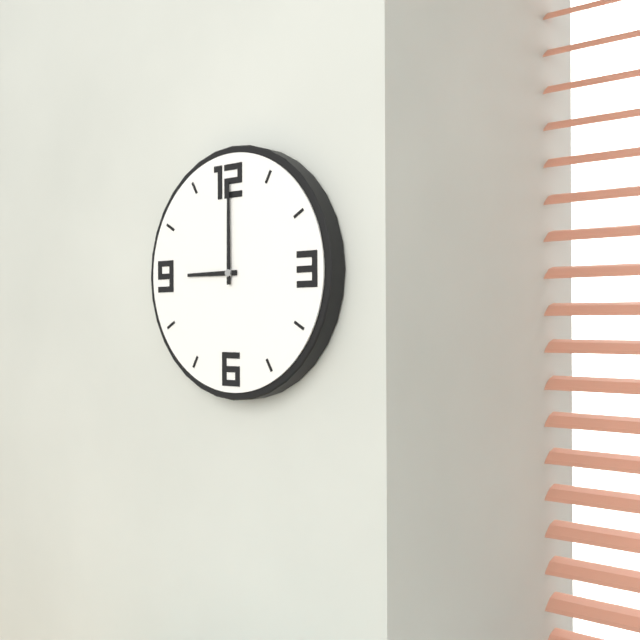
9:00
